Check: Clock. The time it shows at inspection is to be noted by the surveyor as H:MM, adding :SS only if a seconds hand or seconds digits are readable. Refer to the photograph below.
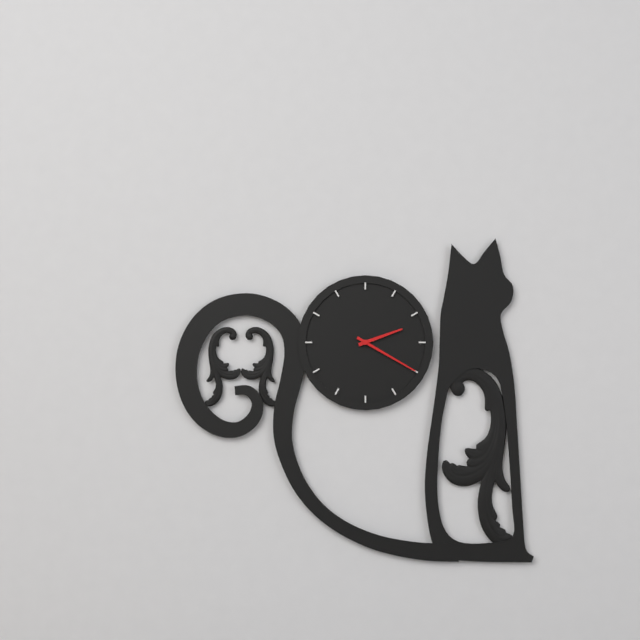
2:20
